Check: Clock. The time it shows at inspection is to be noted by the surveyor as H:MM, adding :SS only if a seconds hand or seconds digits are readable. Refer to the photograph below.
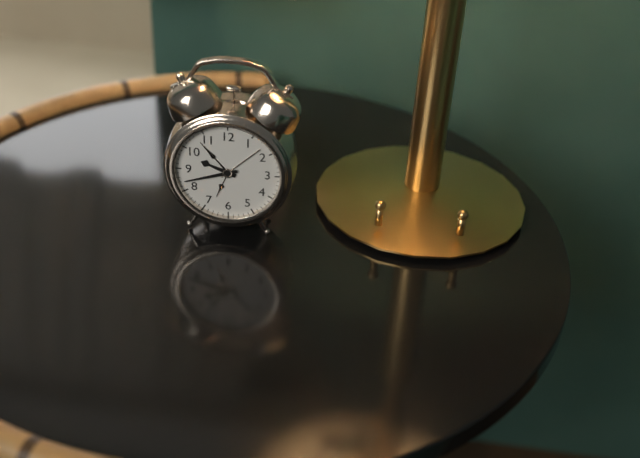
9:42
